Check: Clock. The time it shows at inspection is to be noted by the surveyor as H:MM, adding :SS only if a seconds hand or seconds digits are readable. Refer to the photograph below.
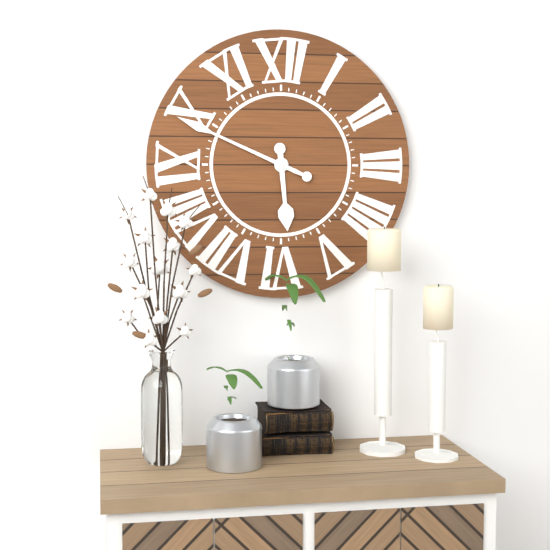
5:49
